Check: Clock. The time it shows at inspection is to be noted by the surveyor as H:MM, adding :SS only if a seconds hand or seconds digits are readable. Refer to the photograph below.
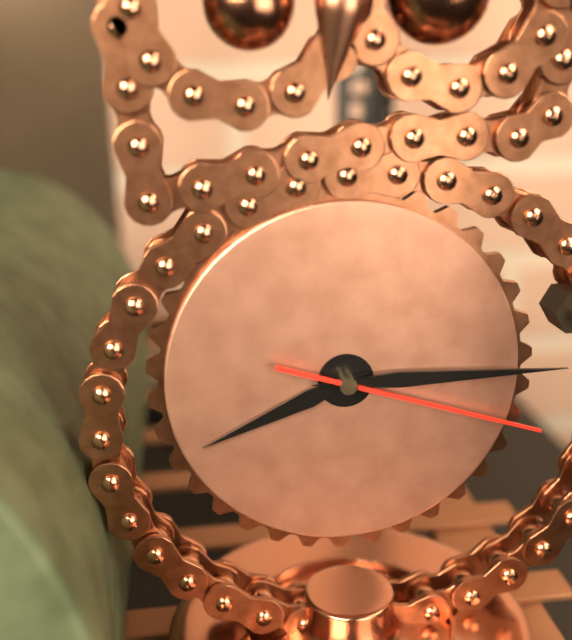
8:15:18
